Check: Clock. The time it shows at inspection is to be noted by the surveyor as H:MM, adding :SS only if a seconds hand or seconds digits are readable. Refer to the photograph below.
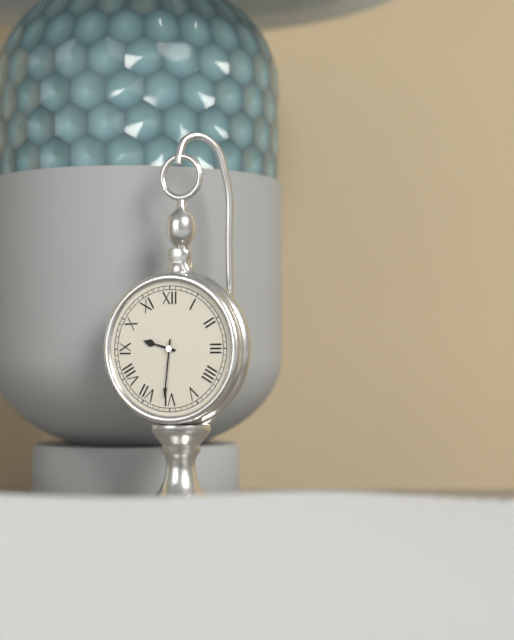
9:31
